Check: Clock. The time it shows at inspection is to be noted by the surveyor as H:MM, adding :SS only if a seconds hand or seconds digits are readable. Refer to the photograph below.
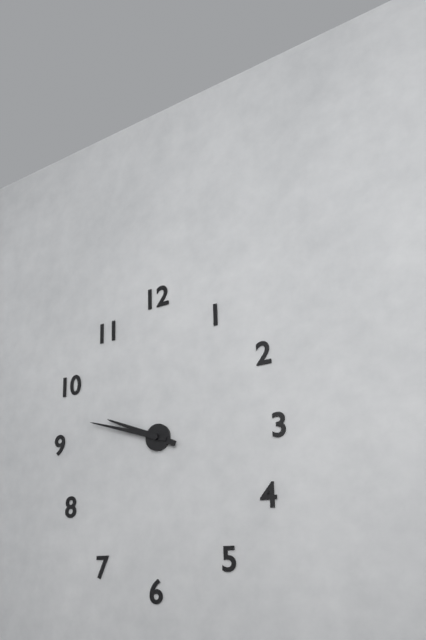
9:48
